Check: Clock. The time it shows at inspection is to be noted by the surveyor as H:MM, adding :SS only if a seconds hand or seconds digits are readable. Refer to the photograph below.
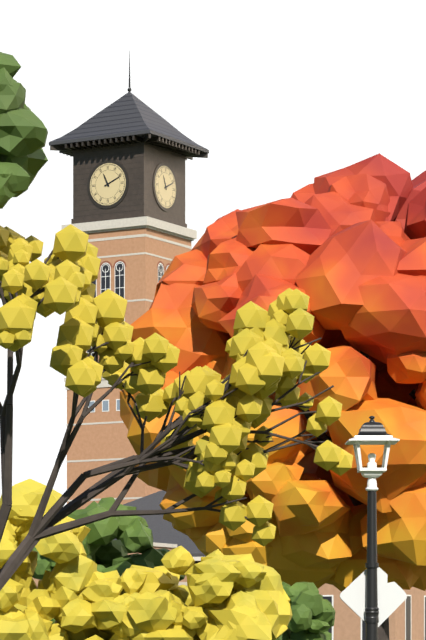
11:11
